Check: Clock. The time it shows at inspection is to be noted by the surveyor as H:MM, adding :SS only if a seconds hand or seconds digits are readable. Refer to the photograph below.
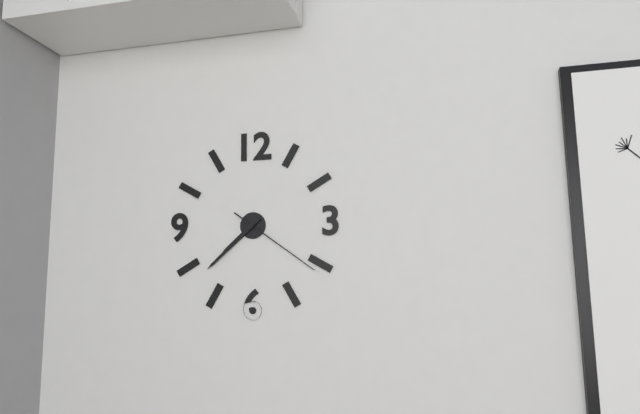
7:38:21
